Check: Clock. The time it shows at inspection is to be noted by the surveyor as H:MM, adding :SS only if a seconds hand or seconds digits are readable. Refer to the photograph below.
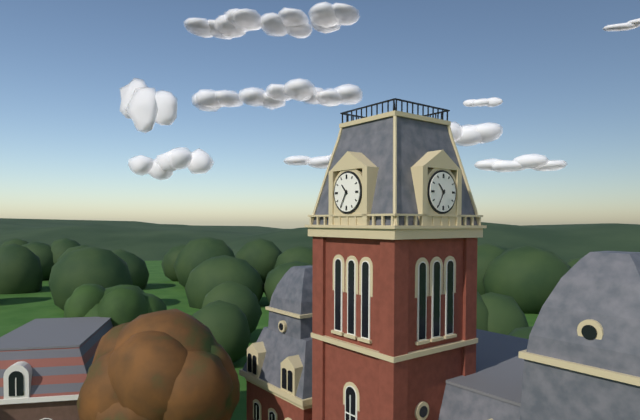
10:35
